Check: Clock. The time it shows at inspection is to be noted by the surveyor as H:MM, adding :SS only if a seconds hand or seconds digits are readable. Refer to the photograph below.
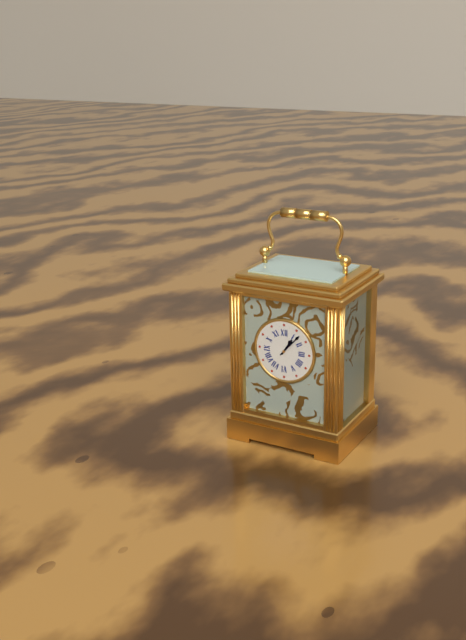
1:07
